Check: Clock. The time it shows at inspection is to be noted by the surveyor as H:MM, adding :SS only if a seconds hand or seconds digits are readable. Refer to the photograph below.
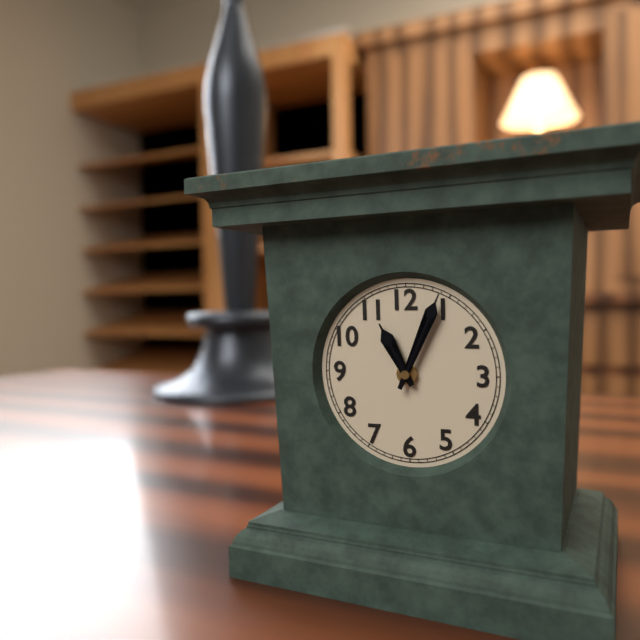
11:04
